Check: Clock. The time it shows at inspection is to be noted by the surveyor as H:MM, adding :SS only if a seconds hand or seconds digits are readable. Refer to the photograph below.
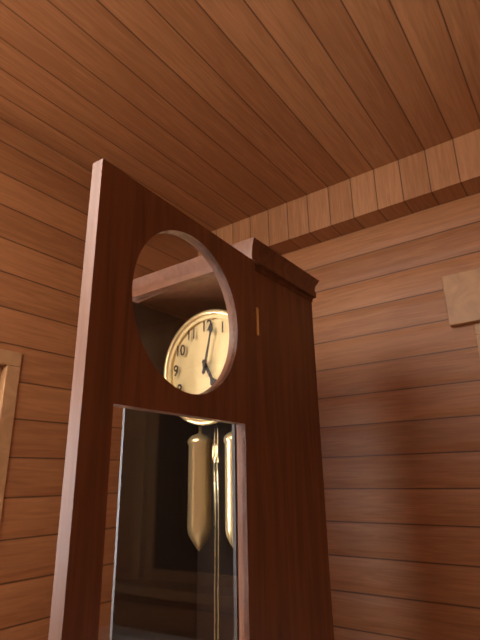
5:02
